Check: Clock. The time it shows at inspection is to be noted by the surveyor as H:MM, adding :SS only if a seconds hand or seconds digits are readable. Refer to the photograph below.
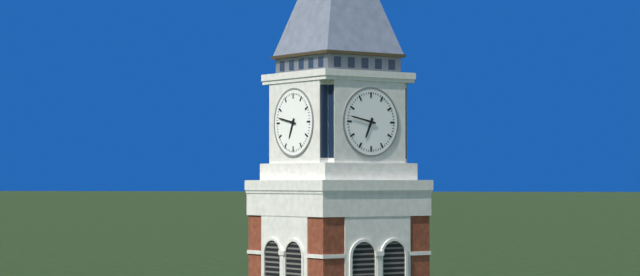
6:47
